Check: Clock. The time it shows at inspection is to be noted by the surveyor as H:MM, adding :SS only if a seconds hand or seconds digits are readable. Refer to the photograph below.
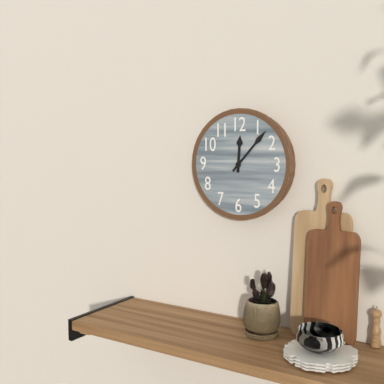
12:07
